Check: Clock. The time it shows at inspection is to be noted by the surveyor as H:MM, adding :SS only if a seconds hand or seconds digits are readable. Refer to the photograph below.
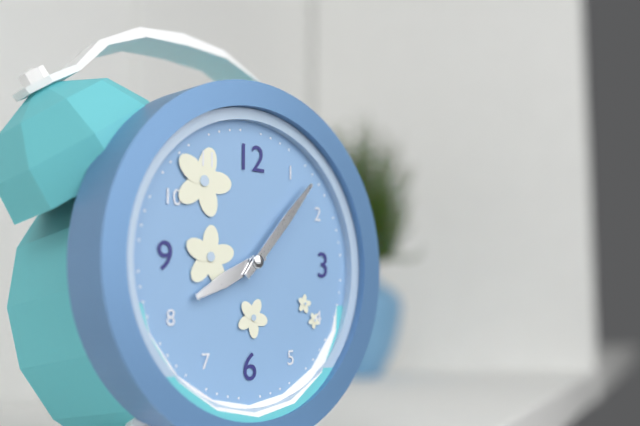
8:07
